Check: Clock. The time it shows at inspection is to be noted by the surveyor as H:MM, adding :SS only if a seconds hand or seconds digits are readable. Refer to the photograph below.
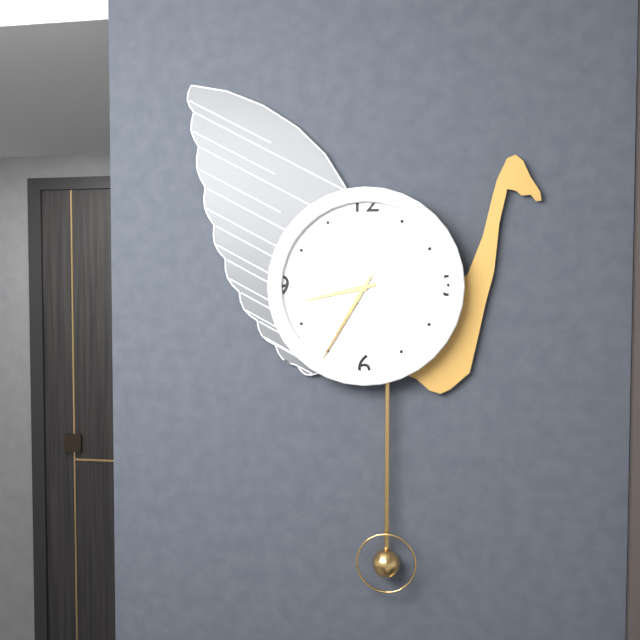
8:35
